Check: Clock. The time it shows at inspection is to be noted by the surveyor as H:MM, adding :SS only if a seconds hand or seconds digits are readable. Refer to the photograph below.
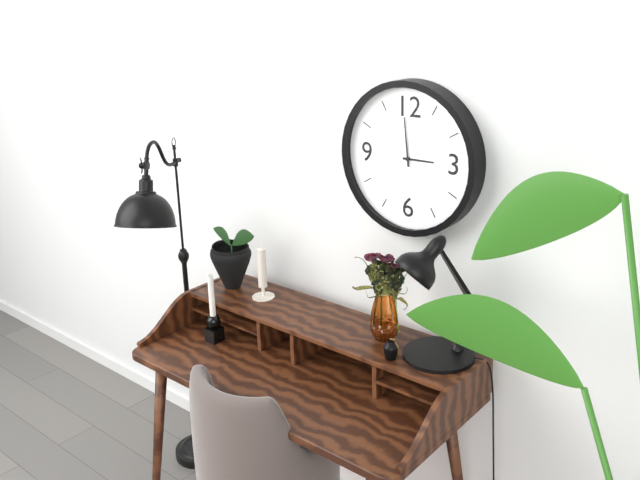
2:59
